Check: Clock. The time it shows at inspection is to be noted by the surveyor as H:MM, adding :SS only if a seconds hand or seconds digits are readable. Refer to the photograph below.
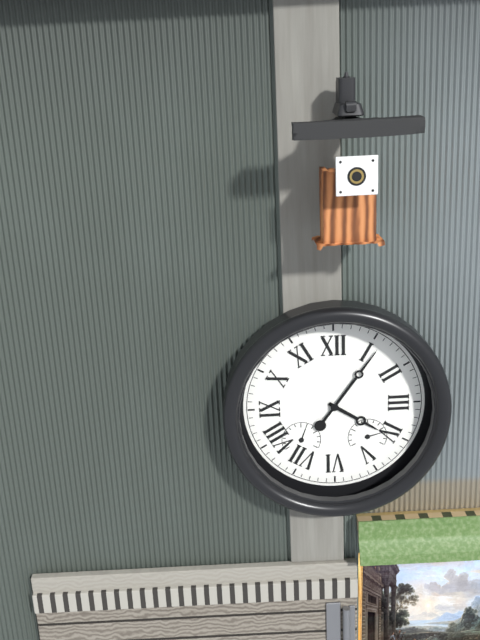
4:06
